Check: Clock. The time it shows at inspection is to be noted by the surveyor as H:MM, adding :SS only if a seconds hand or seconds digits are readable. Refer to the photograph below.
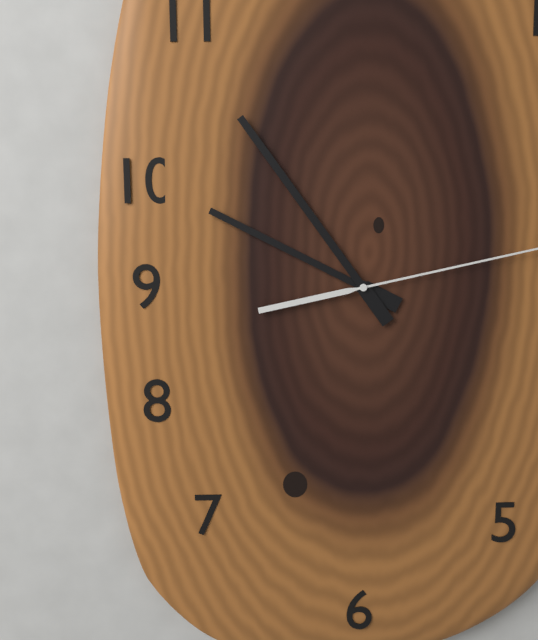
9:54
